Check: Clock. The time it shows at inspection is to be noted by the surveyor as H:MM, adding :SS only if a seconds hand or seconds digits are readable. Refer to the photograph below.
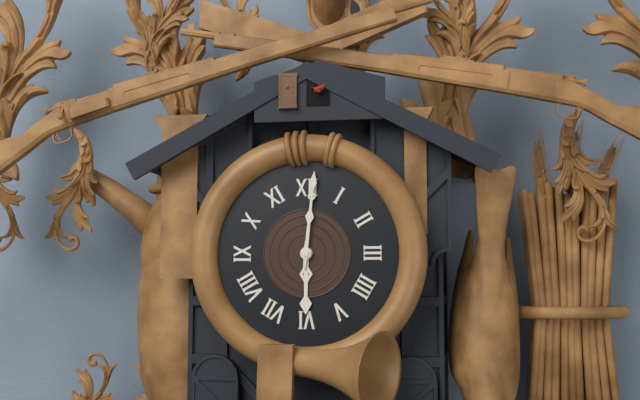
6:01
